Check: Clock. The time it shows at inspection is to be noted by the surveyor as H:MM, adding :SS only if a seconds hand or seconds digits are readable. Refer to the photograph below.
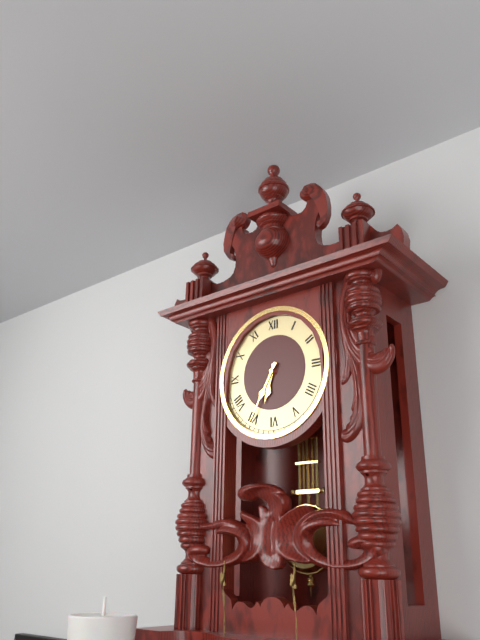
6:35
